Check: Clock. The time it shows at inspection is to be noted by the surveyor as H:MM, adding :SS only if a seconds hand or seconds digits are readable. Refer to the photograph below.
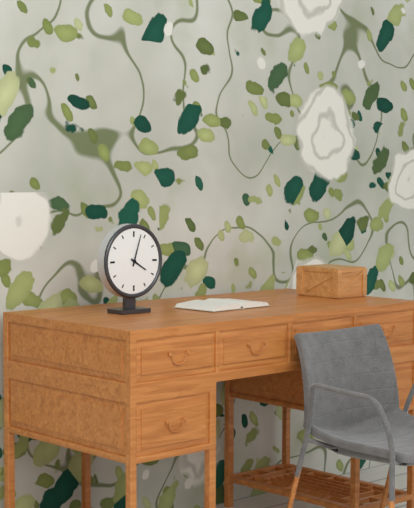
4:03
